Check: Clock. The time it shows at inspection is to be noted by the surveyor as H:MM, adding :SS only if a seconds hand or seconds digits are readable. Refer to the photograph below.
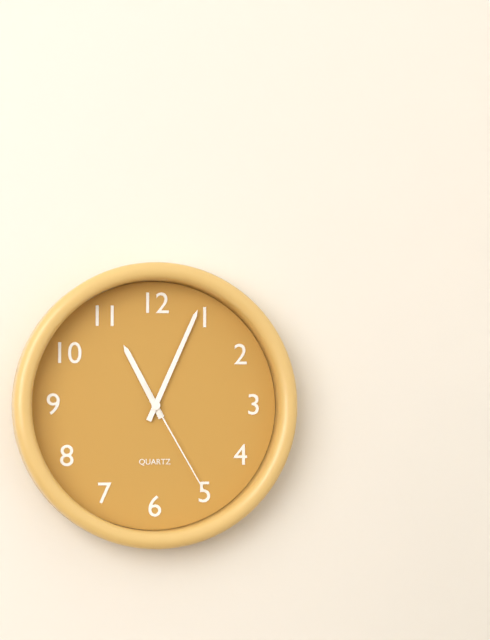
11:04:25
